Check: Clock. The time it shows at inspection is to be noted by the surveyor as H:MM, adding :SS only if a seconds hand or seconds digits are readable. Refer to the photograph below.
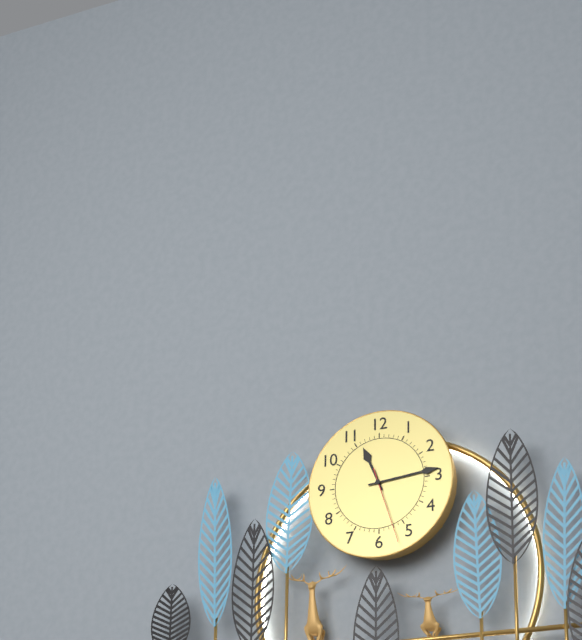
11:14:27
